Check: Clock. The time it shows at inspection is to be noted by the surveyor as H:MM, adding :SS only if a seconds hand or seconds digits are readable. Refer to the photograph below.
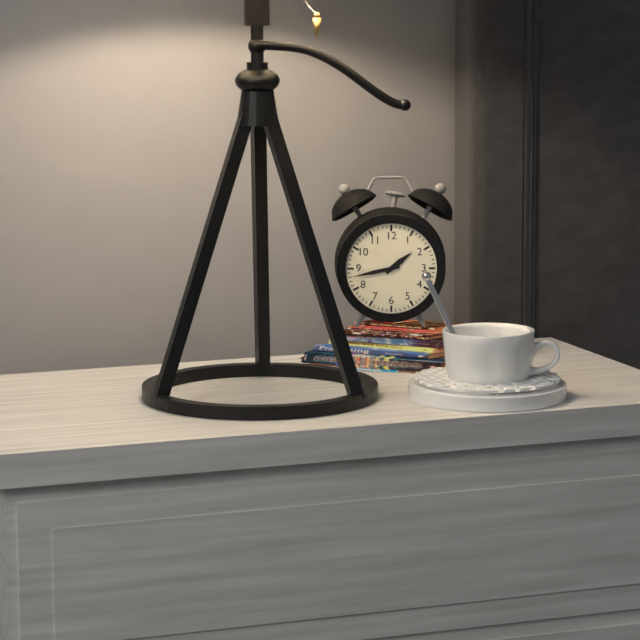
1:43
